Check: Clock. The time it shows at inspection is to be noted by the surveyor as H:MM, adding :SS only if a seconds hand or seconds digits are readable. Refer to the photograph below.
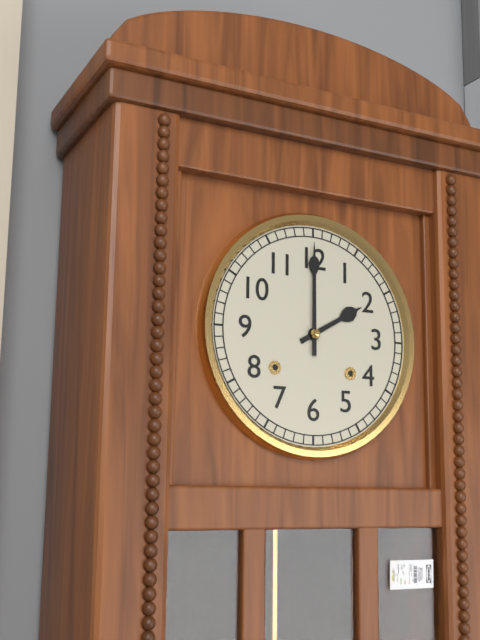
2:00
